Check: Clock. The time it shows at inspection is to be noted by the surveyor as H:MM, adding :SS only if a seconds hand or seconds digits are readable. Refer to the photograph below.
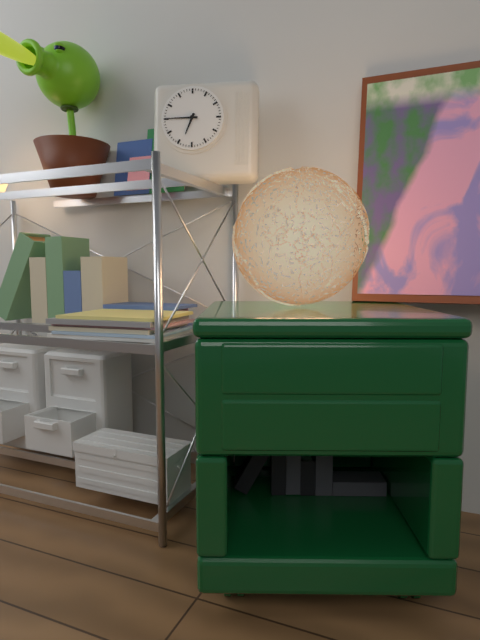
6:45
